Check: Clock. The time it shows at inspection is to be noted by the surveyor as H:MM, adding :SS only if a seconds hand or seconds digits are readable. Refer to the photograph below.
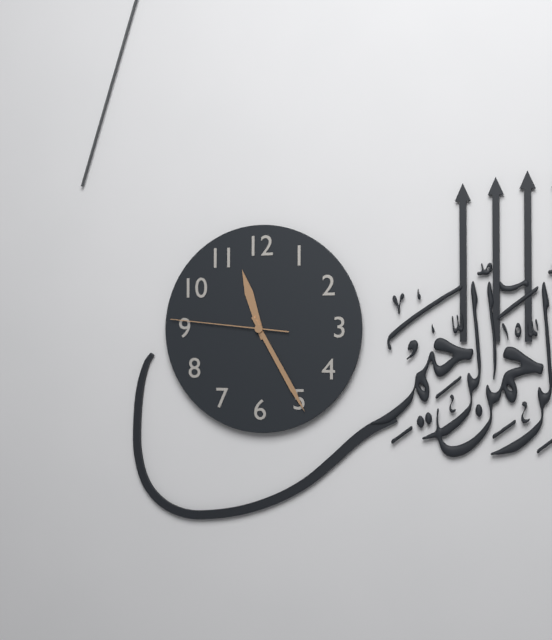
11:25:46
